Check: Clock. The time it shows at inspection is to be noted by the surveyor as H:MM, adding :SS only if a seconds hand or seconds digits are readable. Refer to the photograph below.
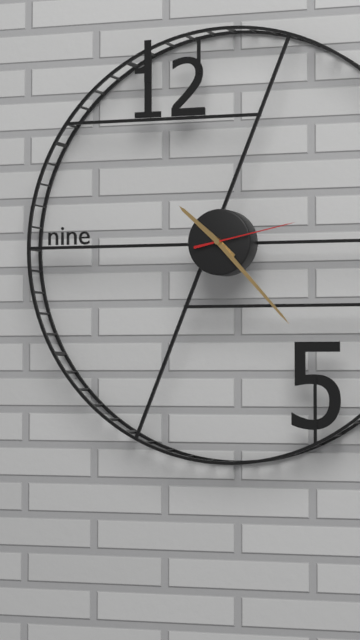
10:23:13
